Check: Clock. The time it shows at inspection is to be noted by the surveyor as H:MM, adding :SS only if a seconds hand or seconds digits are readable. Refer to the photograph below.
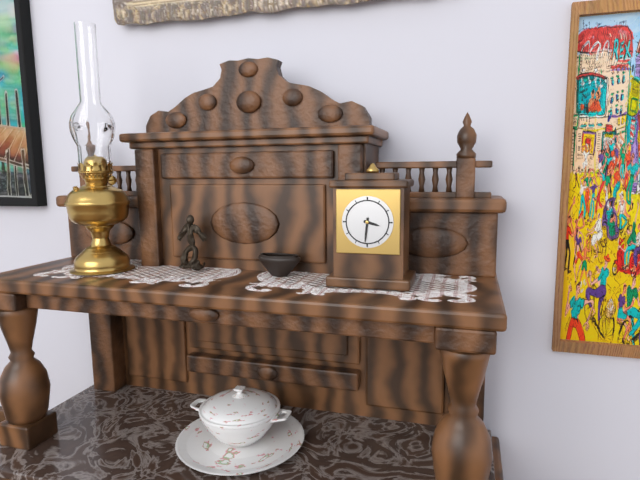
3:31
